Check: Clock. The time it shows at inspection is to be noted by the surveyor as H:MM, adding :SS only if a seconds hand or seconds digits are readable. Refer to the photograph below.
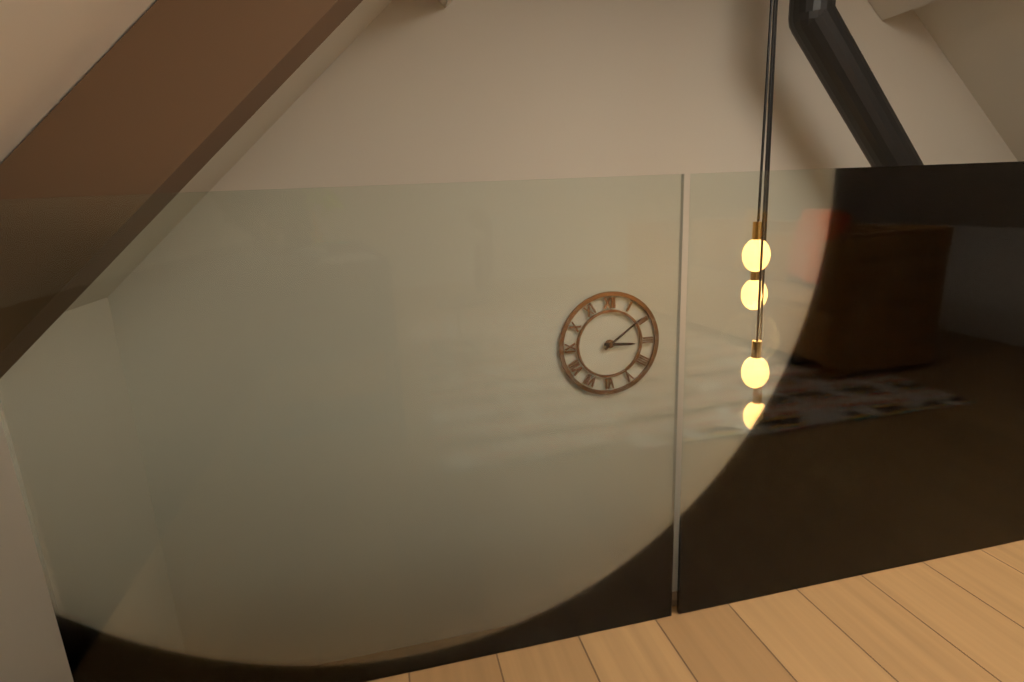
3:09
